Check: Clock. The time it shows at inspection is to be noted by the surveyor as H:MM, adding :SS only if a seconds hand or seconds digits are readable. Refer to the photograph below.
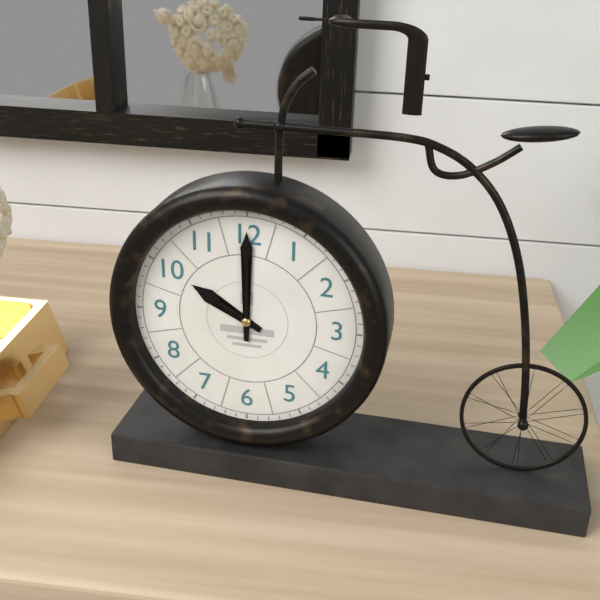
10:00
